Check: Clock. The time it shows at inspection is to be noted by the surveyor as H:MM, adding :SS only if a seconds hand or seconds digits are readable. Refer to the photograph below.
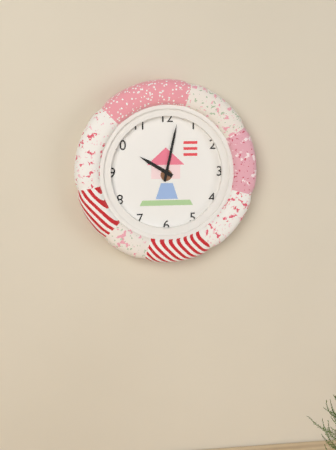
10:02
